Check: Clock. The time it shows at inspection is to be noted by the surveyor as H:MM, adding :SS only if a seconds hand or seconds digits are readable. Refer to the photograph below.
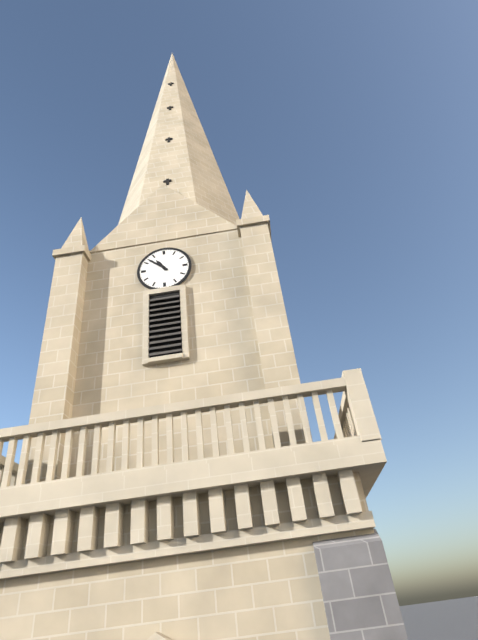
10:52
